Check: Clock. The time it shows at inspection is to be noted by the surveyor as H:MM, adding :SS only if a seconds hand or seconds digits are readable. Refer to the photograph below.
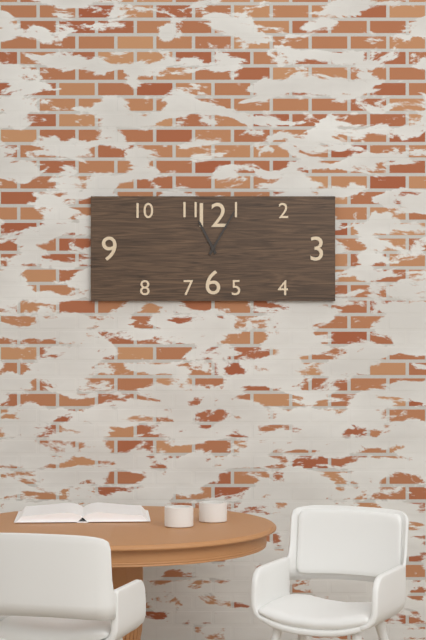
11:05
